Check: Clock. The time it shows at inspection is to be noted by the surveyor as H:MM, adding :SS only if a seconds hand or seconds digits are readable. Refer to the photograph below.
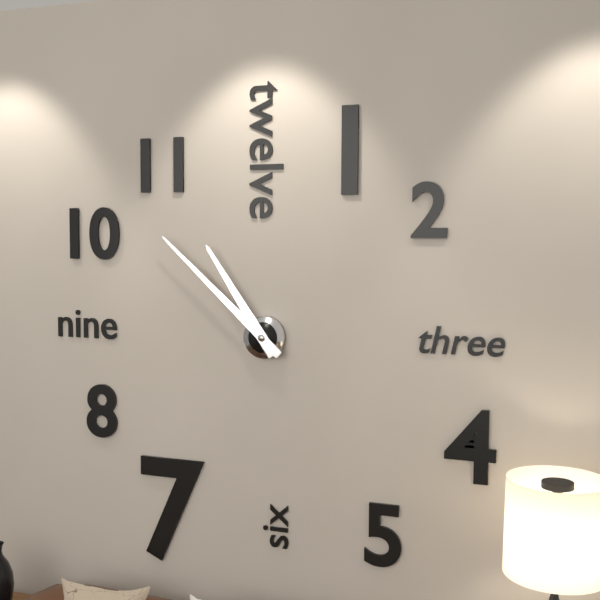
10:52
